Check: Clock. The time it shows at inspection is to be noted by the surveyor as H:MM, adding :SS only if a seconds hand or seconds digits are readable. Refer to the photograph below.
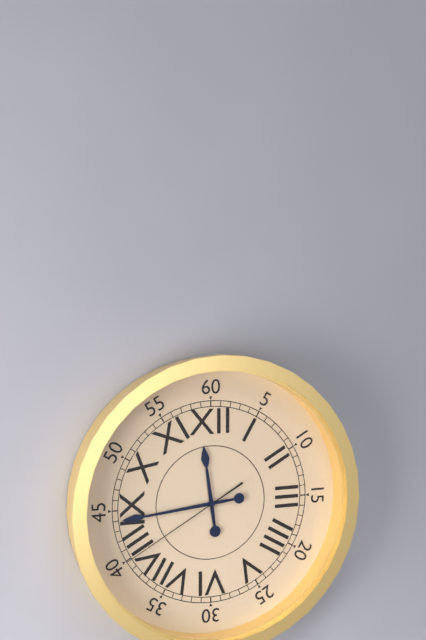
11:44:40
